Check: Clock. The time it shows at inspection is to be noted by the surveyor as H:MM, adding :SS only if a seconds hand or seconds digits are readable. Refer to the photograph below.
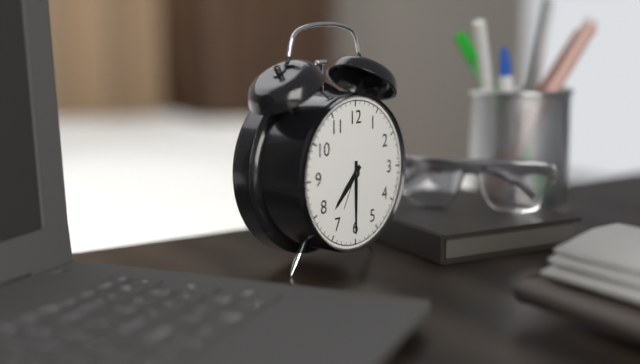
7:30
